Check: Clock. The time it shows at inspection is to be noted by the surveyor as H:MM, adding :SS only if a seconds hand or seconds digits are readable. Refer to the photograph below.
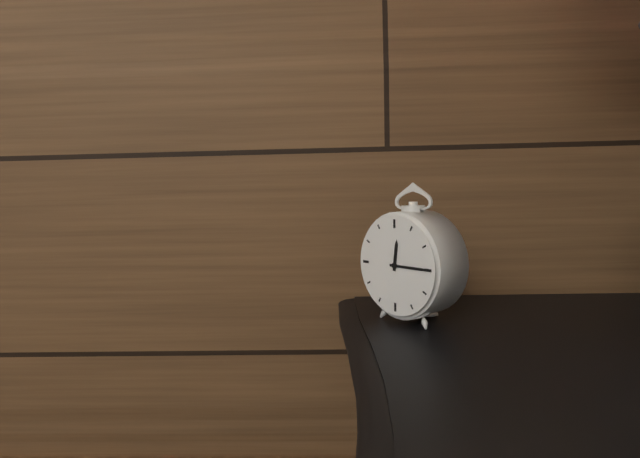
12:15
